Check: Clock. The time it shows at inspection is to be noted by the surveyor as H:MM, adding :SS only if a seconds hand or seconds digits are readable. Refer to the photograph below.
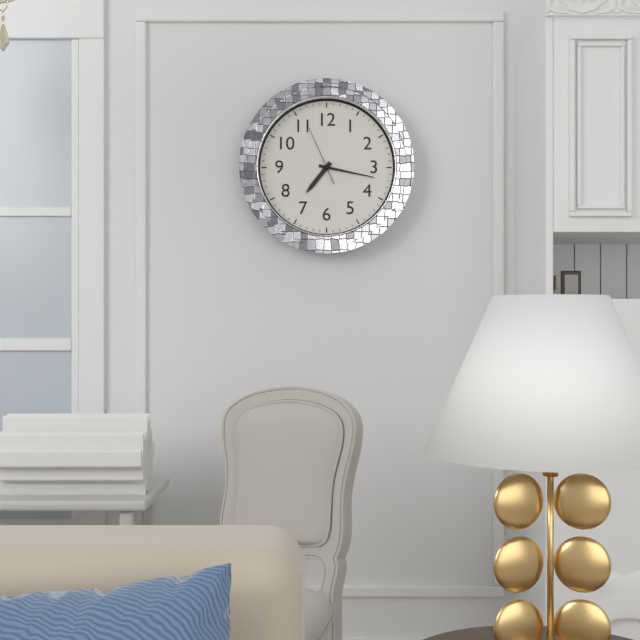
7:17:56
